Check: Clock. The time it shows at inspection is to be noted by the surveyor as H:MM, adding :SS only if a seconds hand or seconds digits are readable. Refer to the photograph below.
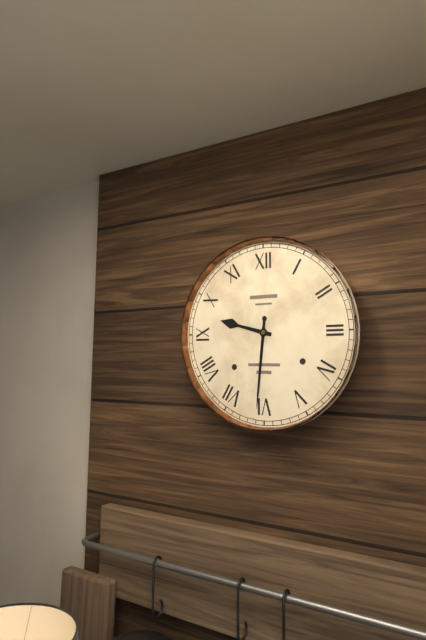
9:31
